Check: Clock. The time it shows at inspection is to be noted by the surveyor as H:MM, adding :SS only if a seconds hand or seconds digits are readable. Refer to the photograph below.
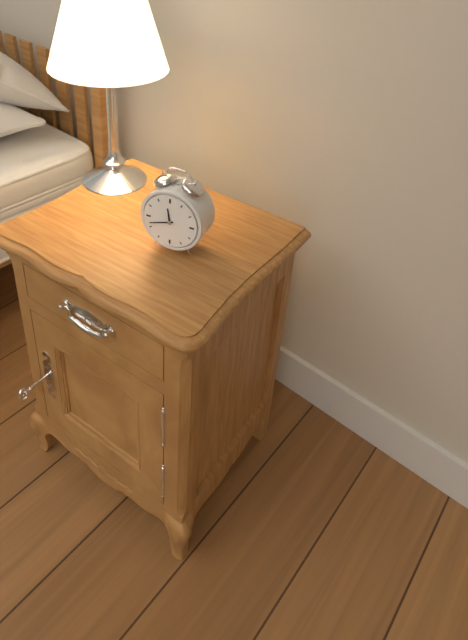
11:42
